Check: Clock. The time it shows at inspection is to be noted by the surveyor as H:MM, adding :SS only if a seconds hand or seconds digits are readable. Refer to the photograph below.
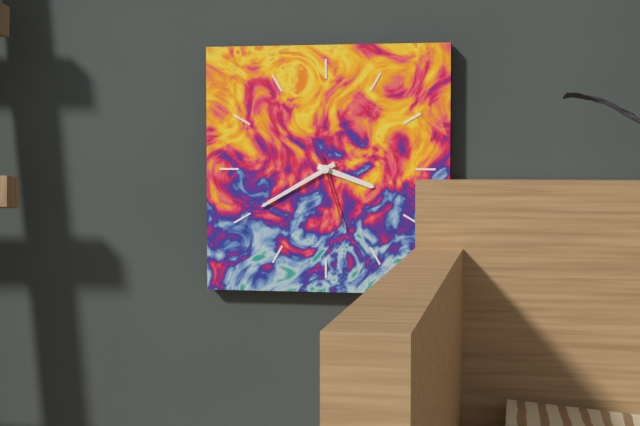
3:40:27
